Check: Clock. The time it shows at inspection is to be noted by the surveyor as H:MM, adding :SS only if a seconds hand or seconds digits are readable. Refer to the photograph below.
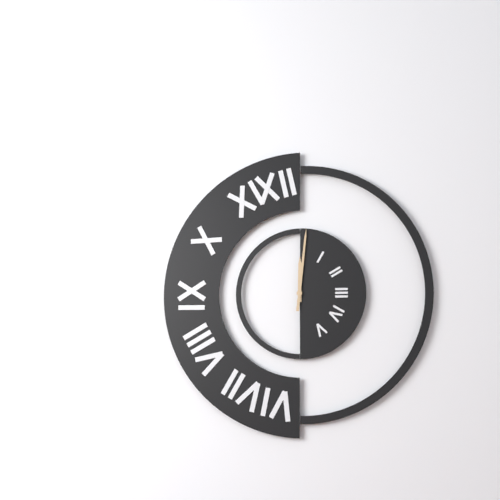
12:01
